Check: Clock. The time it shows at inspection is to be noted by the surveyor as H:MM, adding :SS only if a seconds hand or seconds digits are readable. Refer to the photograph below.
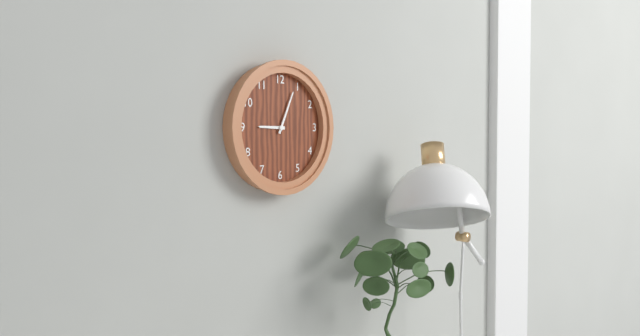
9:04
